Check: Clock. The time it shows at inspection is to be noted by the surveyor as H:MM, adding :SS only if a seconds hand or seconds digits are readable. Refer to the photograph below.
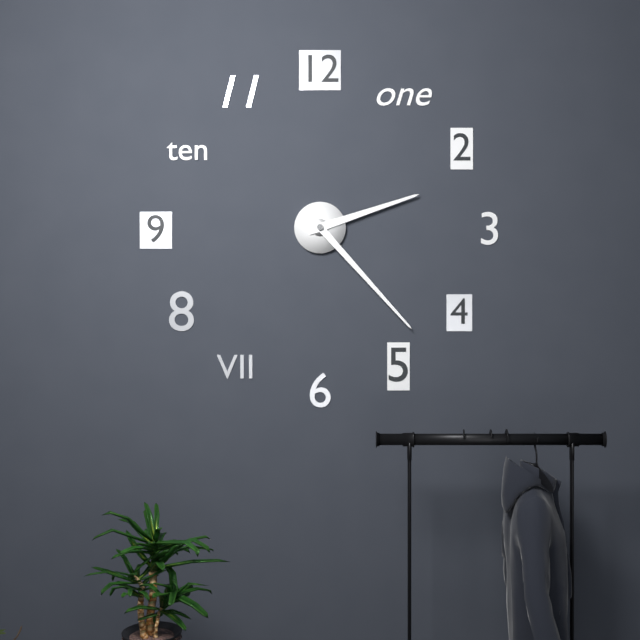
2:23
